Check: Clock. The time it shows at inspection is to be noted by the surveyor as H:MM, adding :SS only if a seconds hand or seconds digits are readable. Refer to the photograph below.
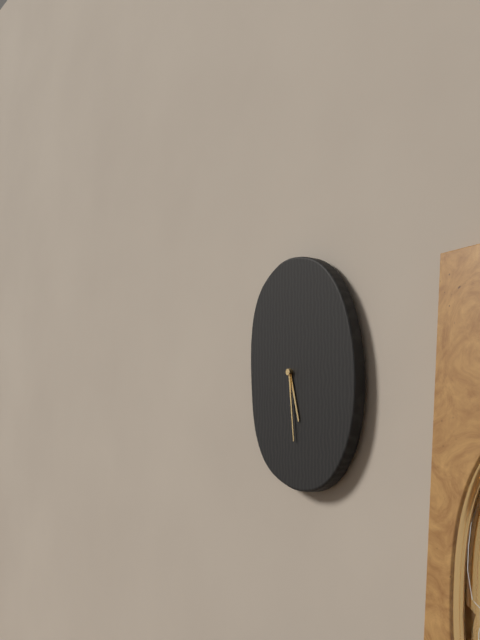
5:29
